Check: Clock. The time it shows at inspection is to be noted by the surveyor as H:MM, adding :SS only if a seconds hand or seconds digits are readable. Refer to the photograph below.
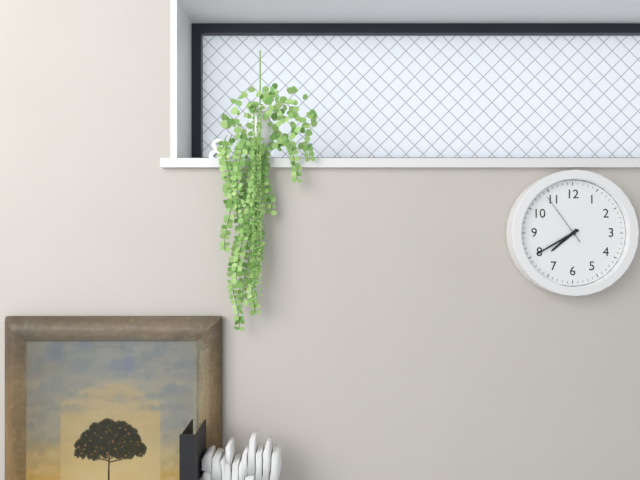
7:40:54
